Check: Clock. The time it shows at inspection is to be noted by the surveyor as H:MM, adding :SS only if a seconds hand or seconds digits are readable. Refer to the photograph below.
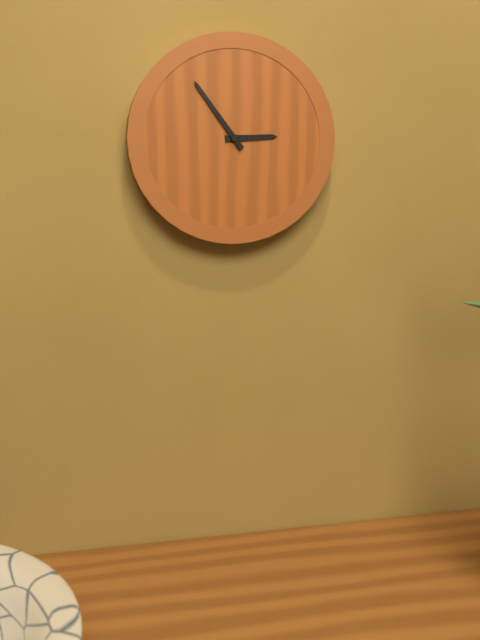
2:54
